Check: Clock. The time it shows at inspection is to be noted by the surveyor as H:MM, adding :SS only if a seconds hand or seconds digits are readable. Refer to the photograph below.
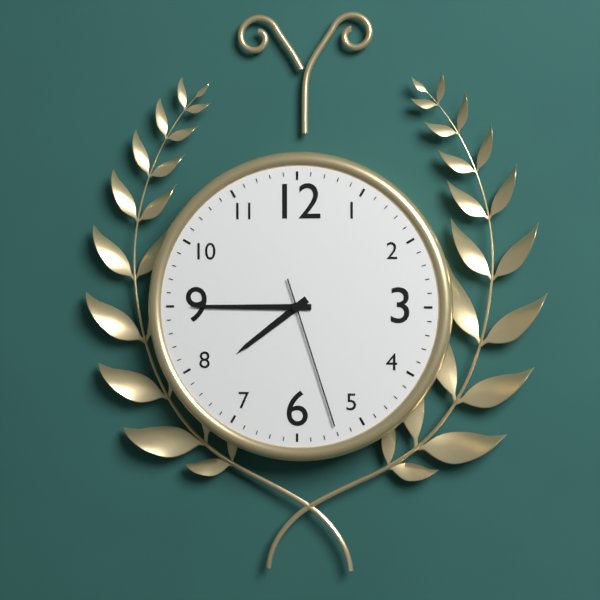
7:45:27
